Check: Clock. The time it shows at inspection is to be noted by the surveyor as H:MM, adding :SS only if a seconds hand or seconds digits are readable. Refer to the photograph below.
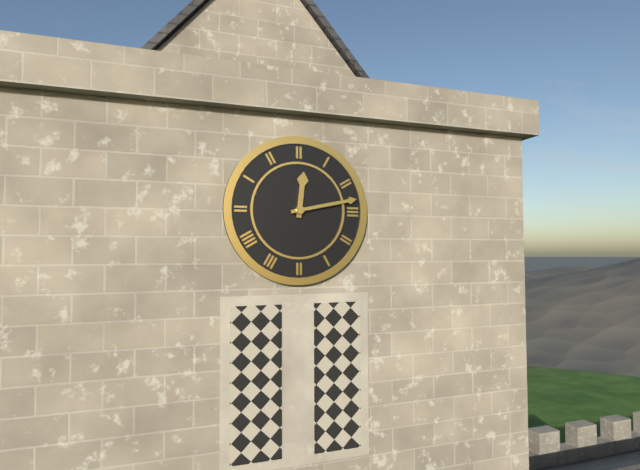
12:13
